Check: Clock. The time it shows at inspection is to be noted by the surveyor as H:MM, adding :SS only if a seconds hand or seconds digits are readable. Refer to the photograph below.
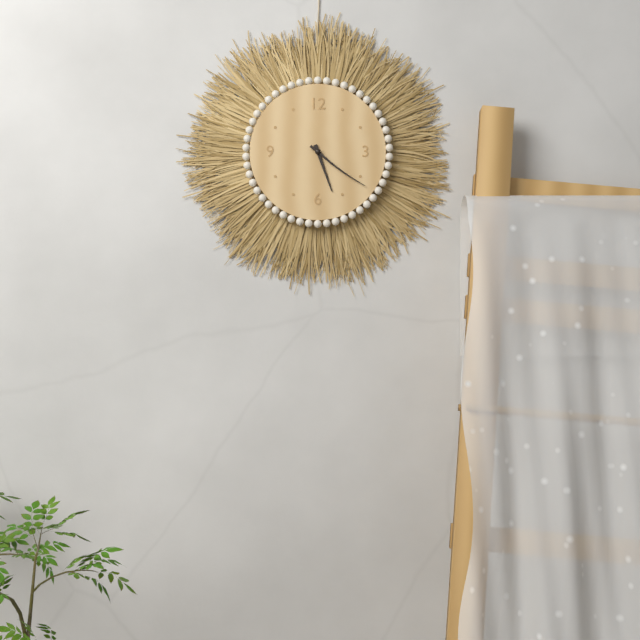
5:21
